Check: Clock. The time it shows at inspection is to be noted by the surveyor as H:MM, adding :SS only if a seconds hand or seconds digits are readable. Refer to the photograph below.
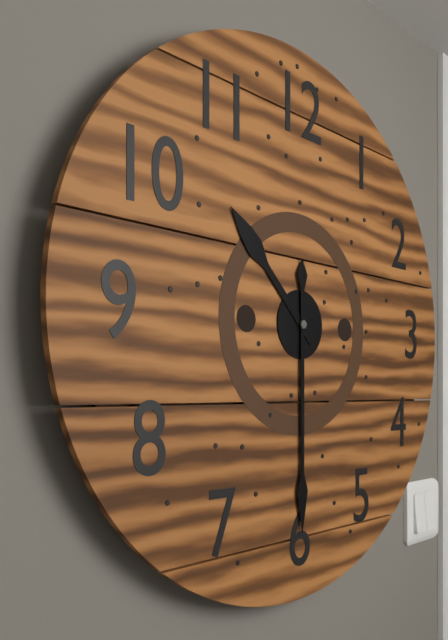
10:30
